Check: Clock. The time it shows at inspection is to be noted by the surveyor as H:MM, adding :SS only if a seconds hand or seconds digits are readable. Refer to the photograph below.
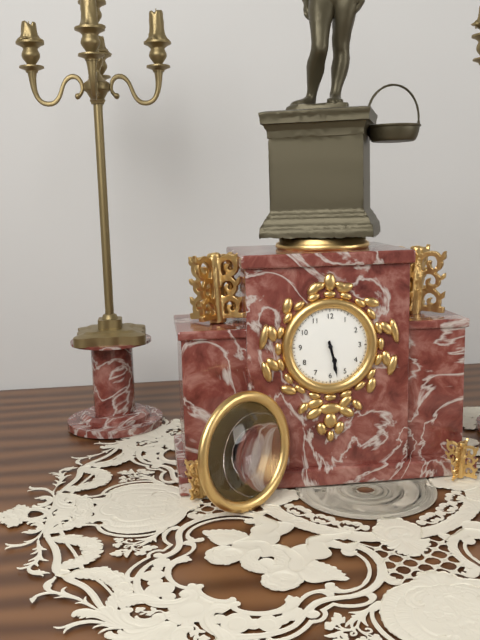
5:28
